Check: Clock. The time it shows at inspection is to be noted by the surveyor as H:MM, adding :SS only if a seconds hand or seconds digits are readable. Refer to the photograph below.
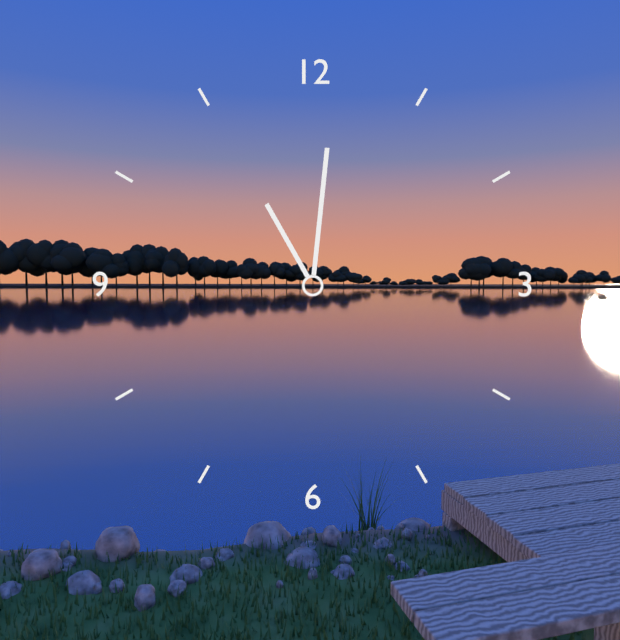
11:01
